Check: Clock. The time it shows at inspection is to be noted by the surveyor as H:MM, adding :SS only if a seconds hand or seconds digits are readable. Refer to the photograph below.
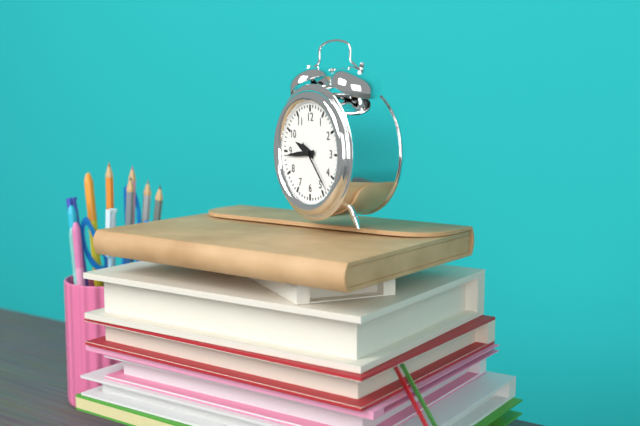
9:44:23
